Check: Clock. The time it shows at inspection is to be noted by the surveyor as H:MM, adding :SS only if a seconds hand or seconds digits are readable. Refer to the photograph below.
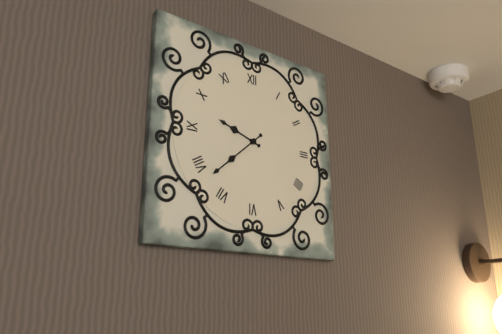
9:38
